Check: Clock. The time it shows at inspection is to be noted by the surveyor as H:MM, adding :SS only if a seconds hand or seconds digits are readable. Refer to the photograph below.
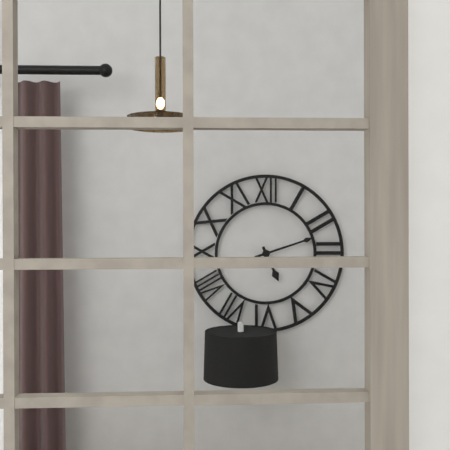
5:12
